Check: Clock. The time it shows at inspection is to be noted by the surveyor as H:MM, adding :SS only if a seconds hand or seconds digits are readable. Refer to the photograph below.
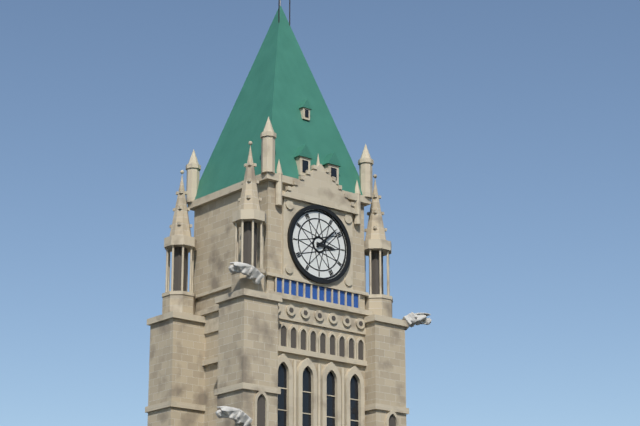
3:08
